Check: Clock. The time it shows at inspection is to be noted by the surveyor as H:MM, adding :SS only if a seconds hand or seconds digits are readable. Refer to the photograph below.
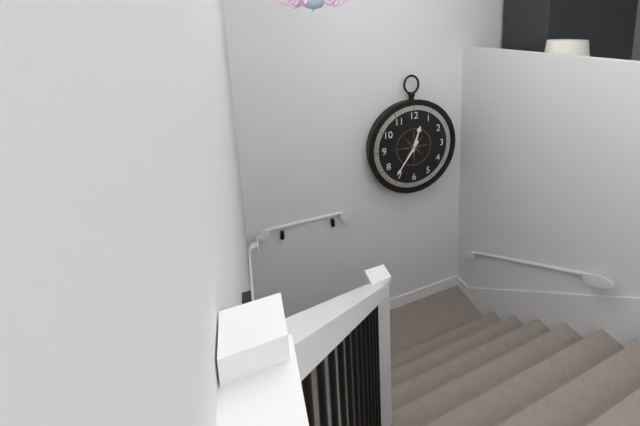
12:36
